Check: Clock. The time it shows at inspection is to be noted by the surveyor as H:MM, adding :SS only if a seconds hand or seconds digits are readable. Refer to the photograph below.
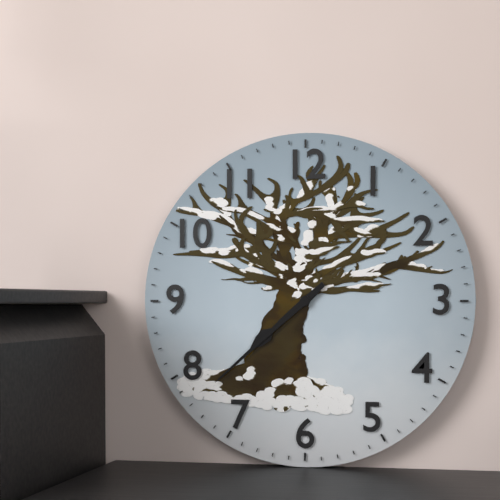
7:38
